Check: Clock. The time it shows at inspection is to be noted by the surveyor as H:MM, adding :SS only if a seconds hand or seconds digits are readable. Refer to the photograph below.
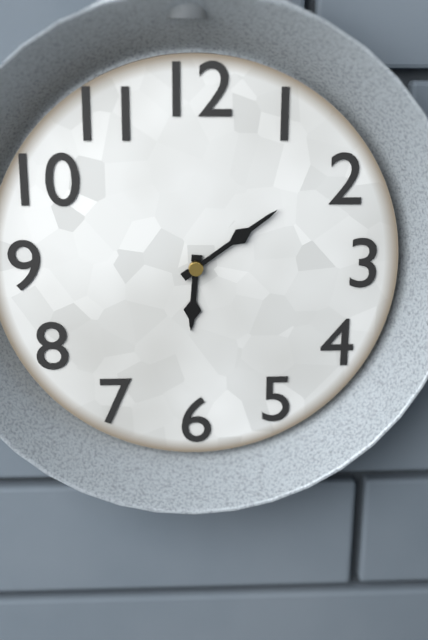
6:09
